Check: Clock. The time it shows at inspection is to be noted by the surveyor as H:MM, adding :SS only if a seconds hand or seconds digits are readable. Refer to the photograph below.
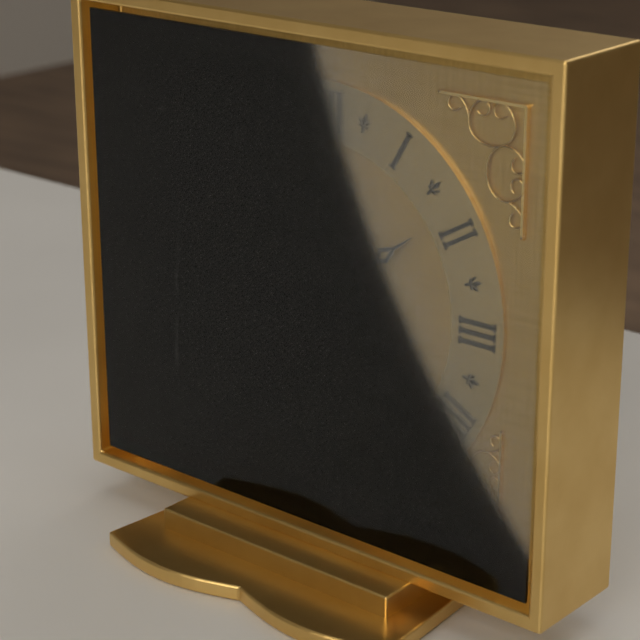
10:09
